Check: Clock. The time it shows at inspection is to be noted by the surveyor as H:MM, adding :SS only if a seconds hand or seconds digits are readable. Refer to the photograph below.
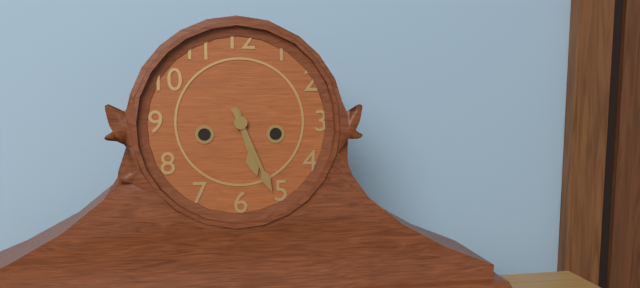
5:26
